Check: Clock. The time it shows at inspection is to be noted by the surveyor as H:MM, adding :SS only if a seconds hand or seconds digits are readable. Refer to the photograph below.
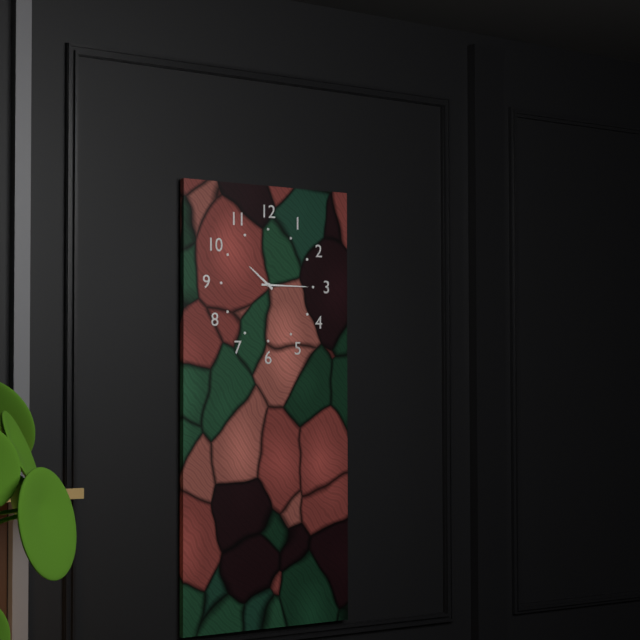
10:15
